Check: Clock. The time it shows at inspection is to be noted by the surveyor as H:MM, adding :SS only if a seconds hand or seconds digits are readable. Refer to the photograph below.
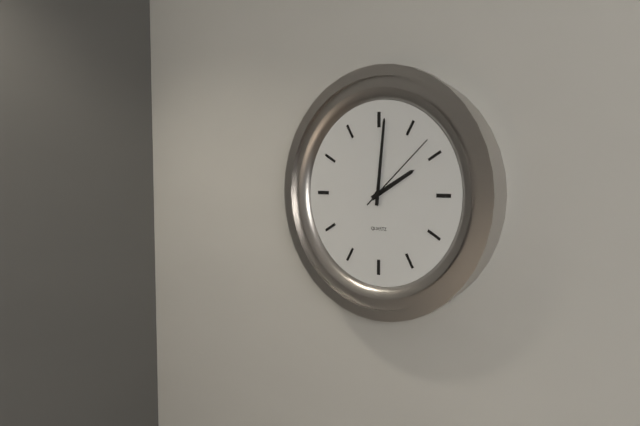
2:01:08
